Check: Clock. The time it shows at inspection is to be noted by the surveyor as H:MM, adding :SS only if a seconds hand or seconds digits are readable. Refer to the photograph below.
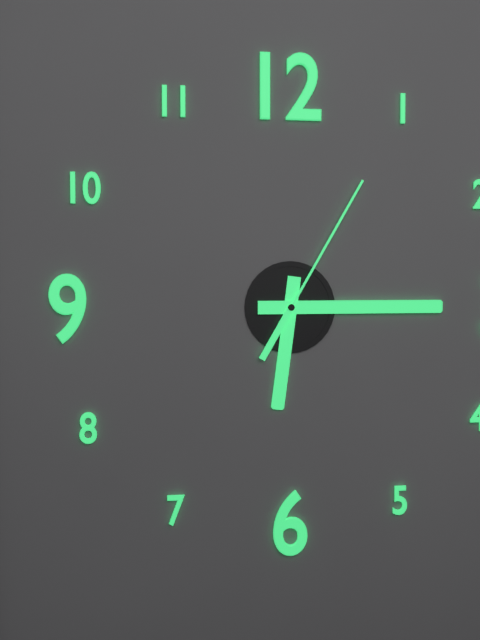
6:15:05
